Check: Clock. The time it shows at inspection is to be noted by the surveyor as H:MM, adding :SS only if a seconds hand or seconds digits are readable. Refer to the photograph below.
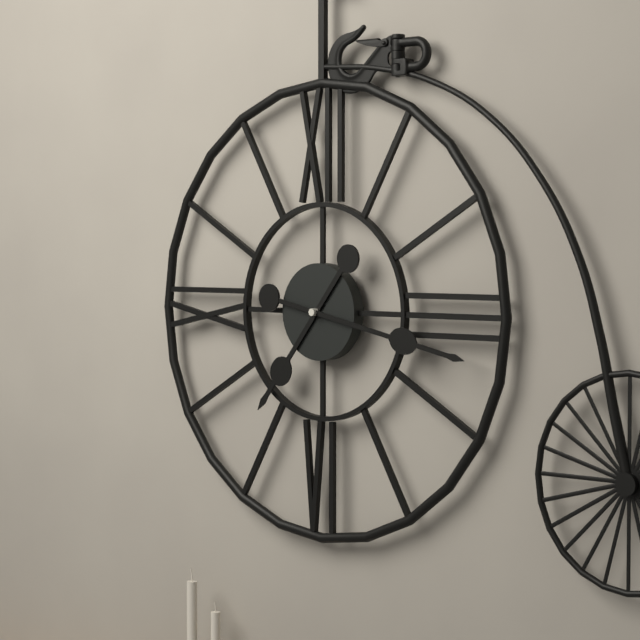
7:17
